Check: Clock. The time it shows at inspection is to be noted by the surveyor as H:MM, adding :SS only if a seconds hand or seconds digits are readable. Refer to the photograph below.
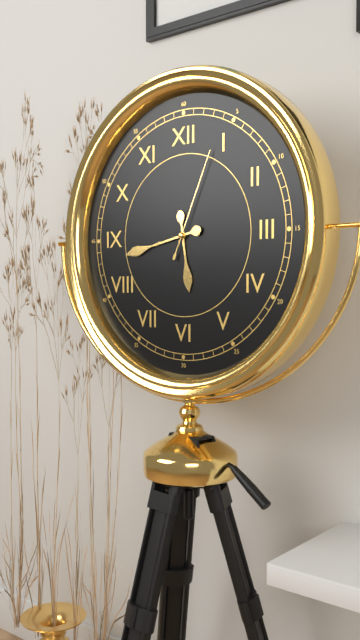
5:43:04
